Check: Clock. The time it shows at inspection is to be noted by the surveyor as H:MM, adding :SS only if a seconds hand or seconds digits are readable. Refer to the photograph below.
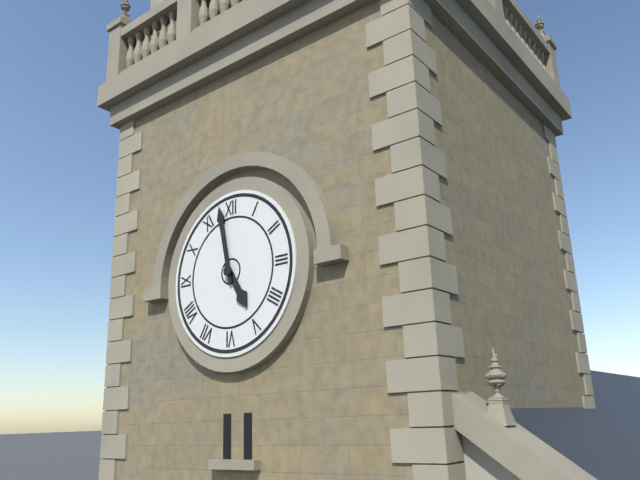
4:58
